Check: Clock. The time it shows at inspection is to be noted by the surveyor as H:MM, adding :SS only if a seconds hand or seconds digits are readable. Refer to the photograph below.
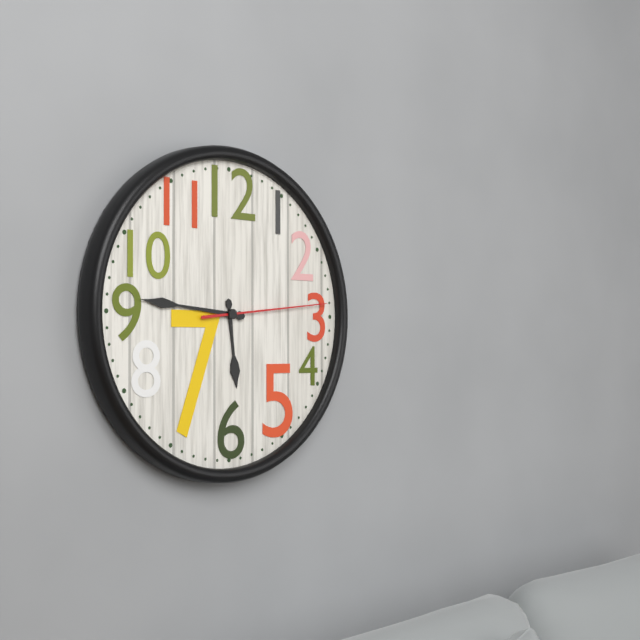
5:46:14
